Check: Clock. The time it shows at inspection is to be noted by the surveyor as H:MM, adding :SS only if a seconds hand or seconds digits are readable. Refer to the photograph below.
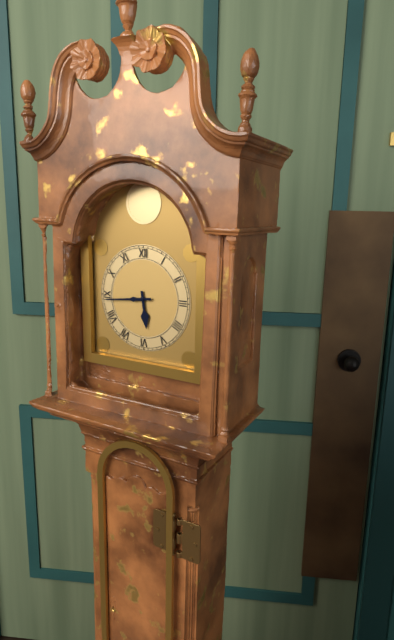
5:44
